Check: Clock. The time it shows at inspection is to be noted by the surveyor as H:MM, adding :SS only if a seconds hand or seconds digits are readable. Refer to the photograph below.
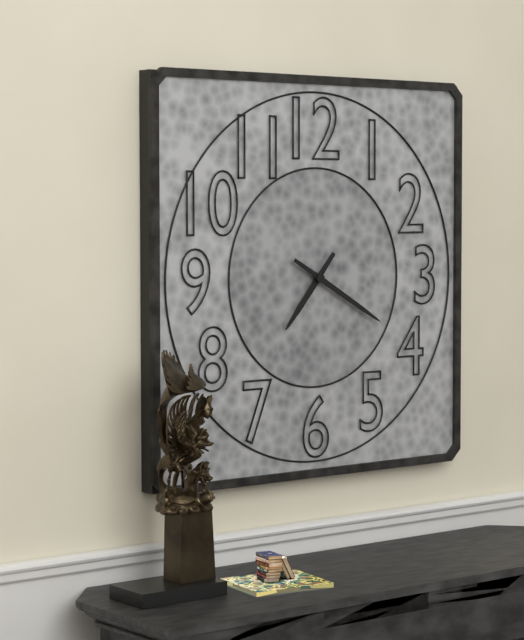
7:20
